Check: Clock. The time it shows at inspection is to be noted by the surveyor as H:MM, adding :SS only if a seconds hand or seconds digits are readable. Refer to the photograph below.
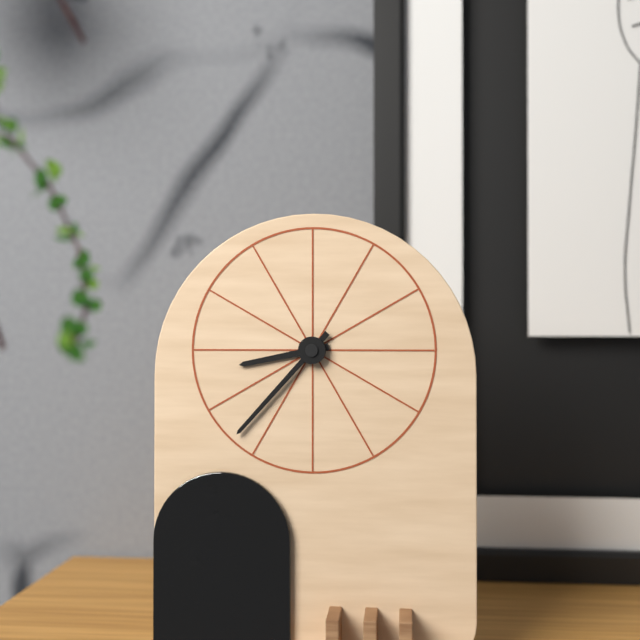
8:37
